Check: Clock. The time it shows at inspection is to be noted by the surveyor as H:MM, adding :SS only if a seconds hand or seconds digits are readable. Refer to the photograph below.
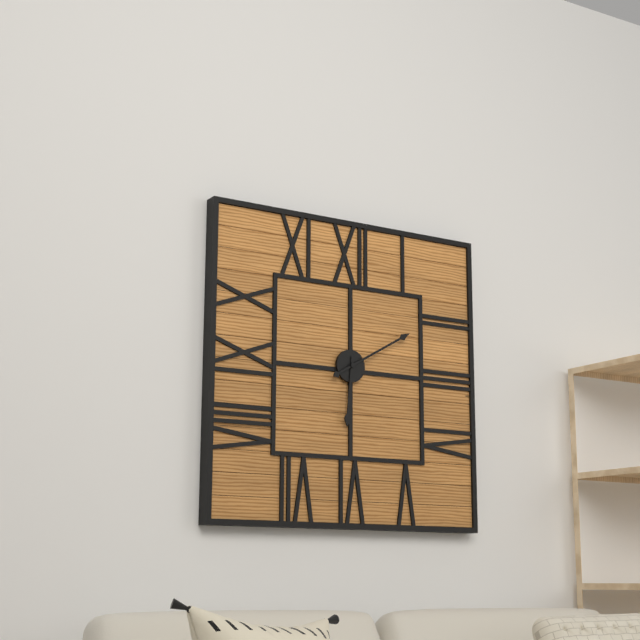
6:10
